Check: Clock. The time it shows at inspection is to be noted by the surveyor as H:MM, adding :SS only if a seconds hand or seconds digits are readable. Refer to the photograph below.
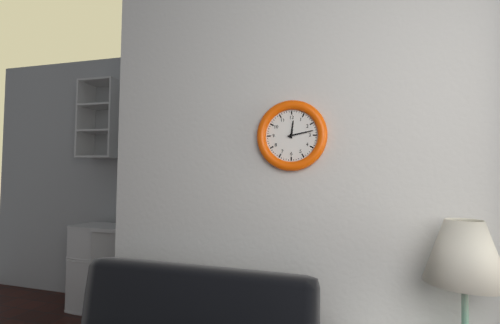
12:13
